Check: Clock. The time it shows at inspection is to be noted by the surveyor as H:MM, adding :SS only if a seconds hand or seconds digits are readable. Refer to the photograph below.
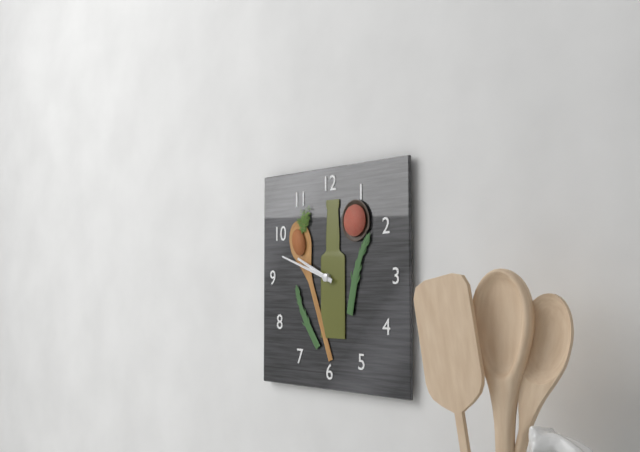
9:48
